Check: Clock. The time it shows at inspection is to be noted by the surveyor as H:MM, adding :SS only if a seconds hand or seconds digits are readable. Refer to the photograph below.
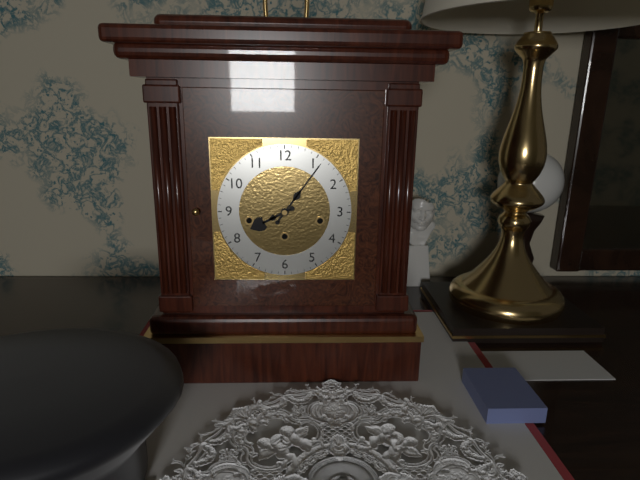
8:06
